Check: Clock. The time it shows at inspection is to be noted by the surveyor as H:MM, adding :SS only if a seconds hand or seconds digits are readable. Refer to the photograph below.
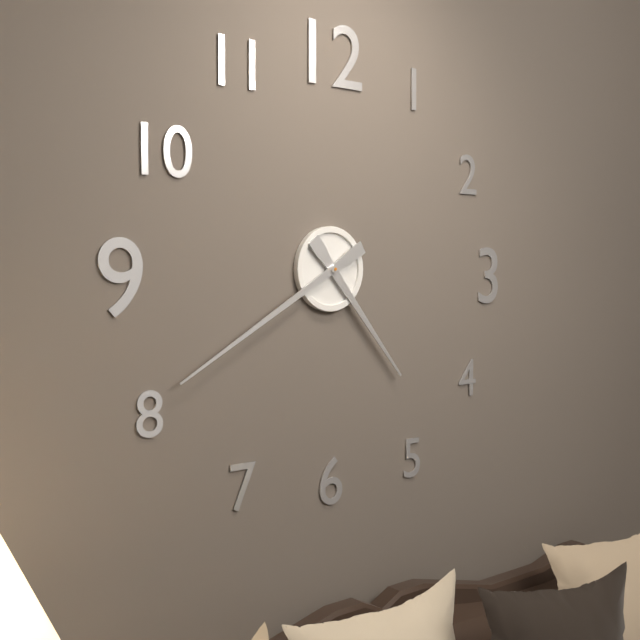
4:40
